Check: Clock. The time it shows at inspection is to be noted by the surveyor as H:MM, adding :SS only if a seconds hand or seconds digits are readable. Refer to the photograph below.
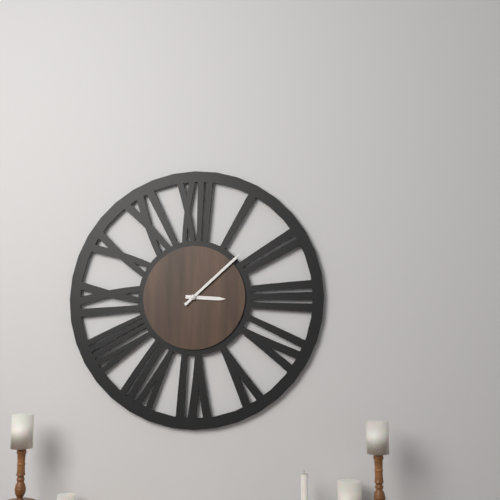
3:08
